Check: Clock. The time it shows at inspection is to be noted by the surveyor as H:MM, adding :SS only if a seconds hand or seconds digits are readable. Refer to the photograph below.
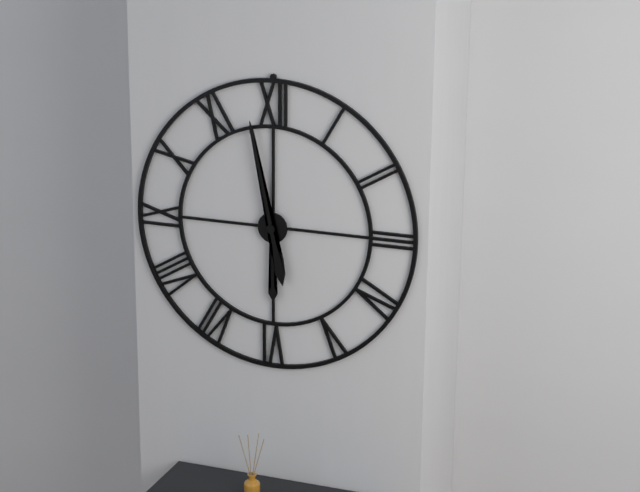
5:58
